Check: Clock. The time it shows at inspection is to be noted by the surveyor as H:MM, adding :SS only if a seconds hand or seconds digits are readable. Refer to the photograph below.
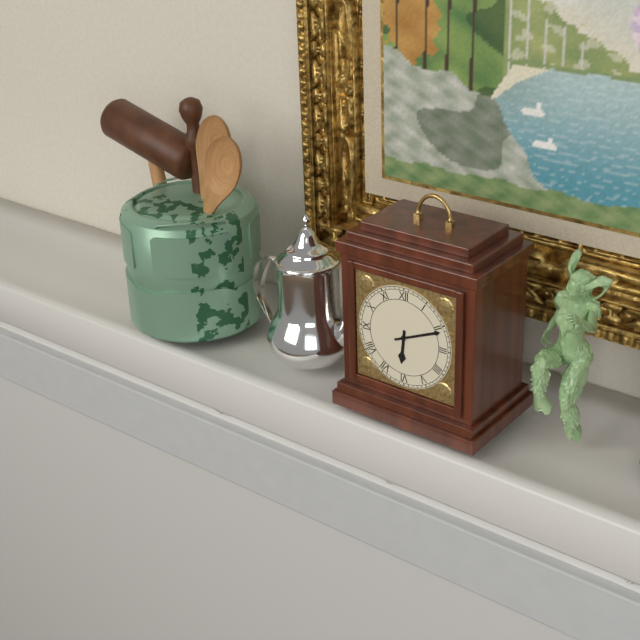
6:11
